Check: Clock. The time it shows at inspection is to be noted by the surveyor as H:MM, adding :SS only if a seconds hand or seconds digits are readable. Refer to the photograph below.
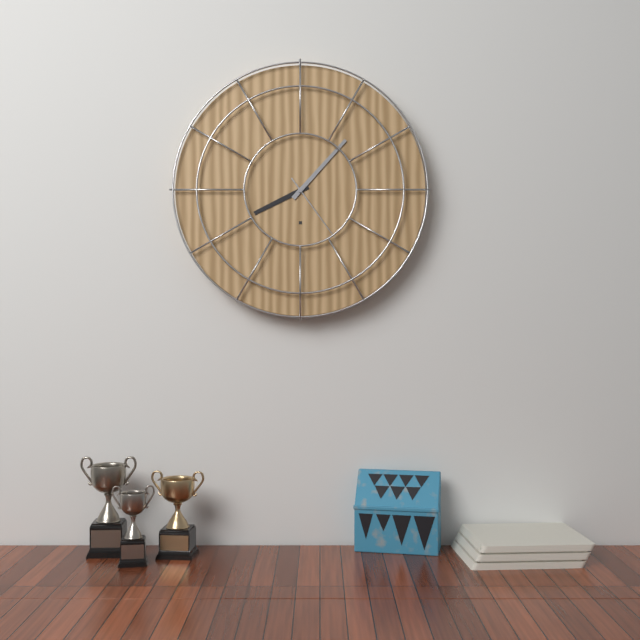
8:07:24
